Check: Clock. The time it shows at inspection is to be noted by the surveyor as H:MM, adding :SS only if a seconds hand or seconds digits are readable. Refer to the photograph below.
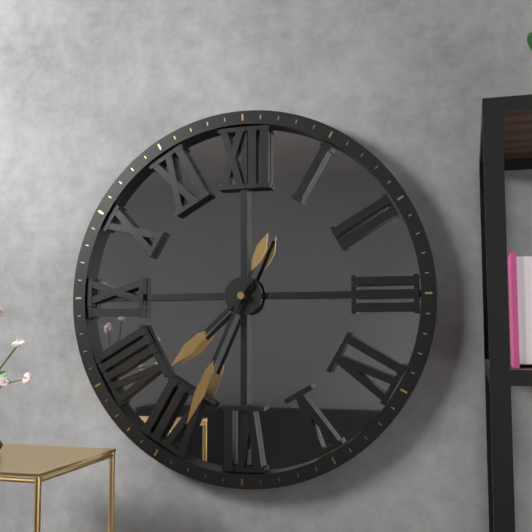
7:34
